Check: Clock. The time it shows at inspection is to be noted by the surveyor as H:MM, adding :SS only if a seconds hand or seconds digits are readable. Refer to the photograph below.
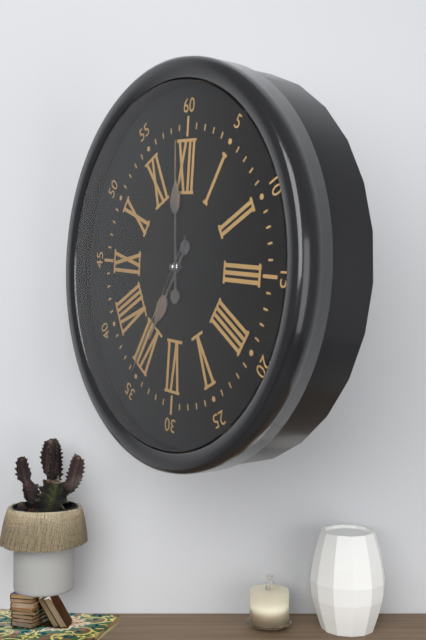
6:59:35
